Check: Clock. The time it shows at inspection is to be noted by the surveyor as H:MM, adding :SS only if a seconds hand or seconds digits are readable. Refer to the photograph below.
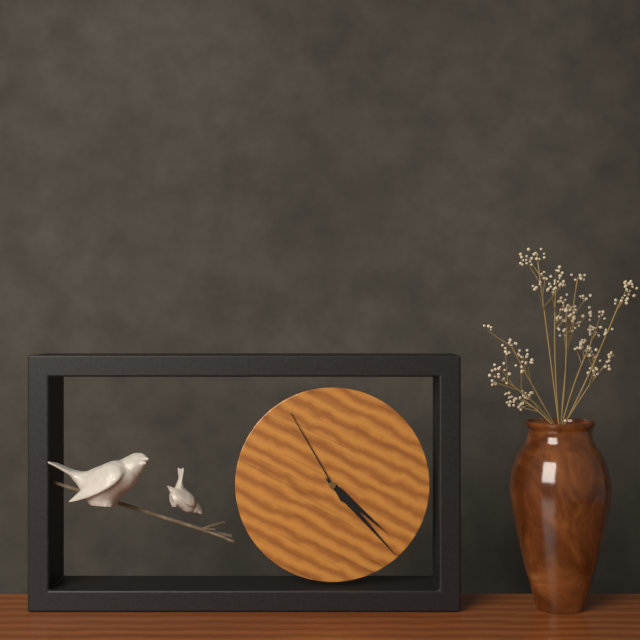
4:23:55
